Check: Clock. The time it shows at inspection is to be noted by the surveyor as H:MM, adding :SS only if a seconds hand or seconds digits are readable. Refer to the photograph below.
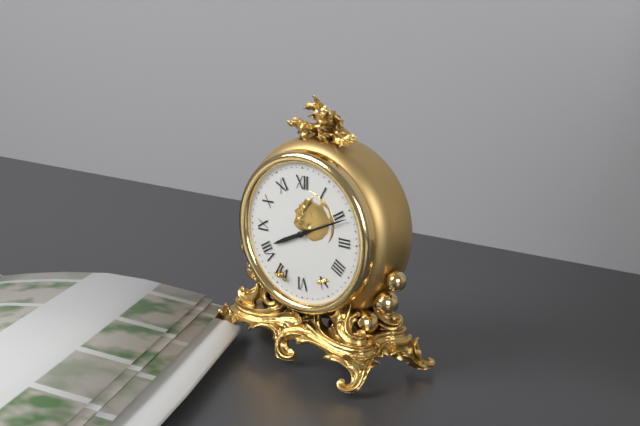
8:11
